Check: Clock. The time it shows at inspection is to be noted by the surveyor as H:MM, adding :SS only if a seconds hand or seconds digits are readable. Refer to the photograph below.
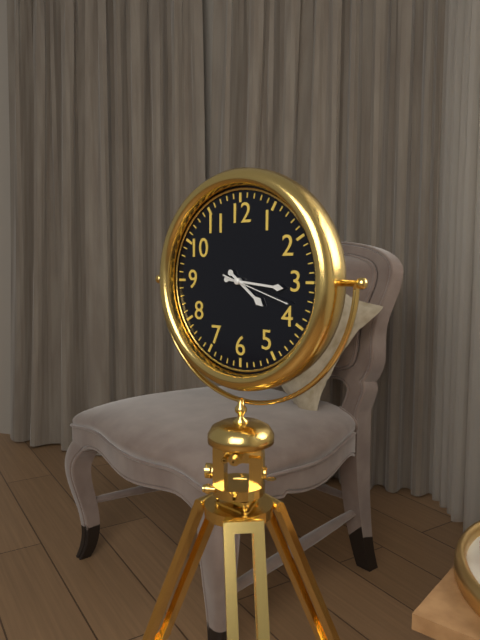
4:16:18
